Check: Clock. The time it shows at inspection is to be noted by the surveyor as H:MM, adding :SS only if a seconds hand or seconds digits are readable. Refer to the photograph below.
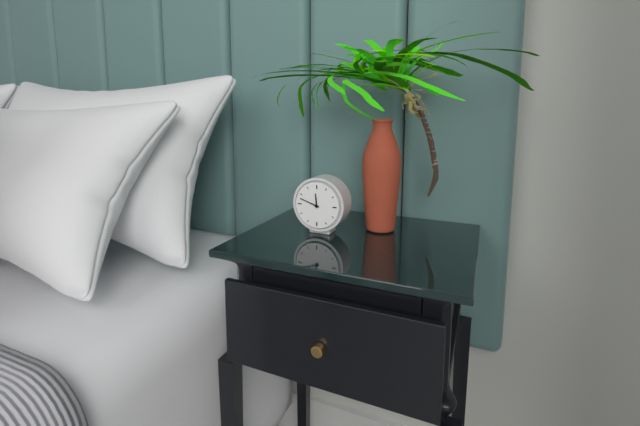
11:48
